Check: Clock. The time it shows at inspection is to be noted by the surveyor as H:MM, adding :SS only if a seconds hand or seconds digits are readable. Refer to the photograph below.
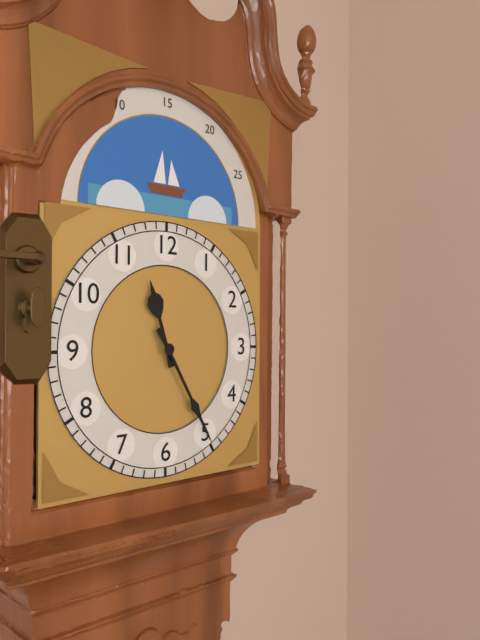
11:25
